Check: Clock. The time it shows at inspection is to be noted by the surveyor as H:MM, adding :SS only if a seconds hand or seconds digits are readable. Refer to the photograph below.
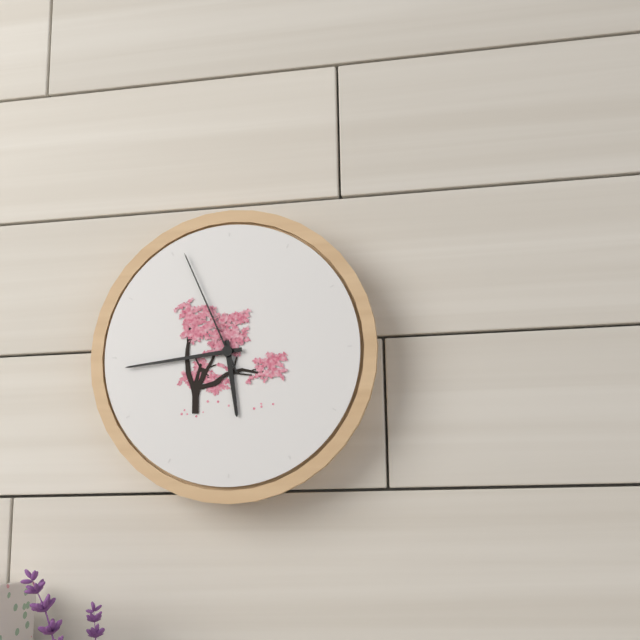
5:44:56
